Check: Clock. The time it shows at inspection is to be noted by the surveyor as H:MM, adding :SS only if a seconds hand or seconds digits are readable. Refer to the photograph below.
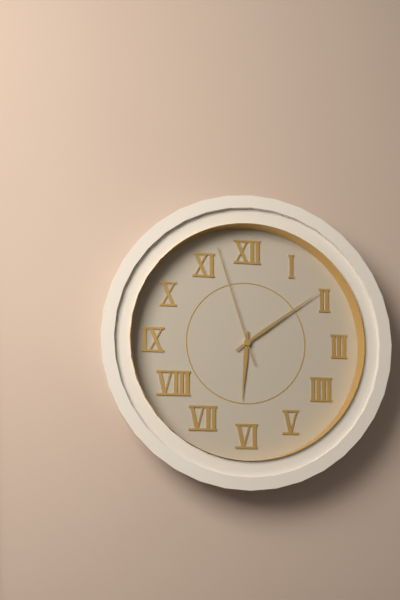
6:09:57
